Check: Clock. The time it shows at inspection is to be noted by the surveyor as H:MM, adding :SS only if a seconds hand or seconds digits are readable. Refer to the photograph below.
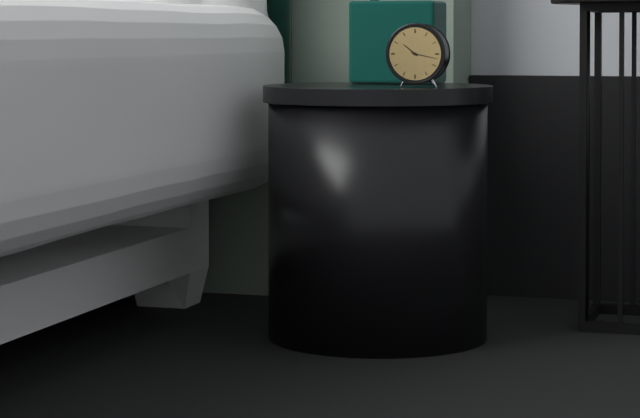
10:17
